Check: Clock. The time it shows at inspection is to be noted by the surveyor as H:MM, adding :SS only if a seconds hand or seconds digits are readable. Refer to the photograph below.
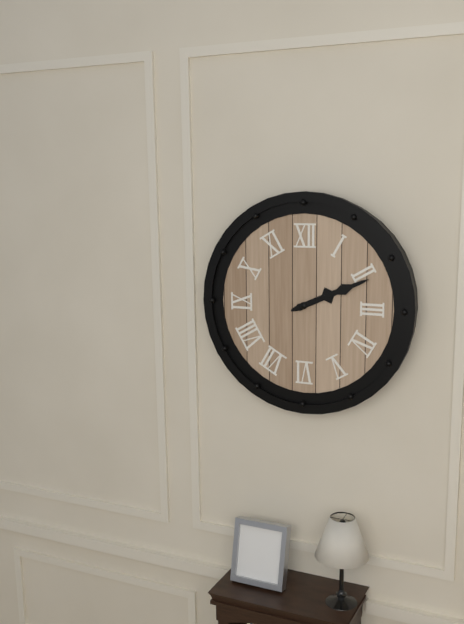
2:11
